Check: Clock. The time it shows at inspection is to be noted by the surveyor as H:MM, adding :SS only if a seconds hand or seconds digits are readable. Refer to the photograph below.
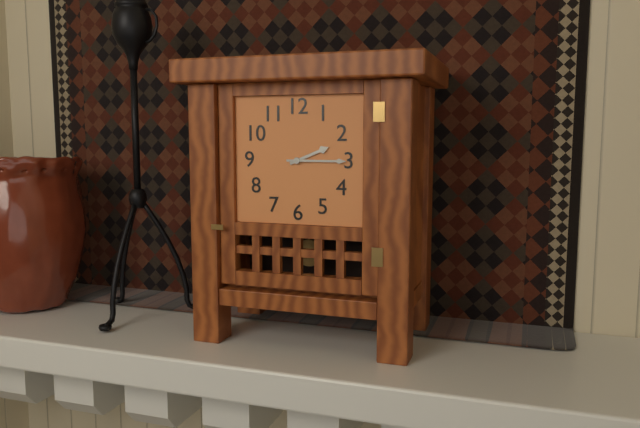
2:15
